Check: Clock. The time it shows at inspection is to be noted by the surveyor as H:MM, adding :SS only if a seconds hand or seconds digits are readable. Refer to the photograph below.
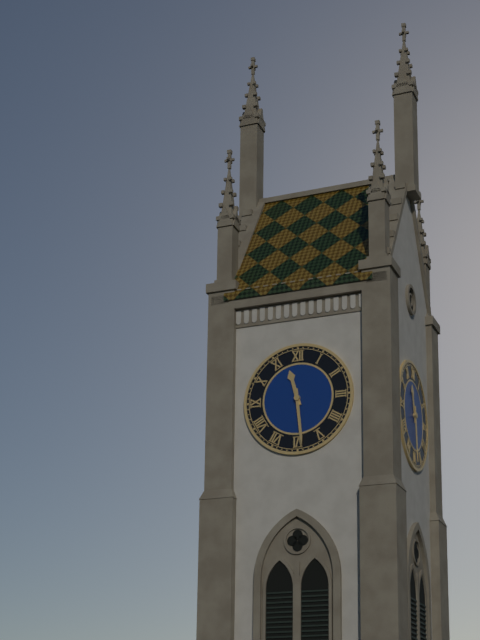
11:29
